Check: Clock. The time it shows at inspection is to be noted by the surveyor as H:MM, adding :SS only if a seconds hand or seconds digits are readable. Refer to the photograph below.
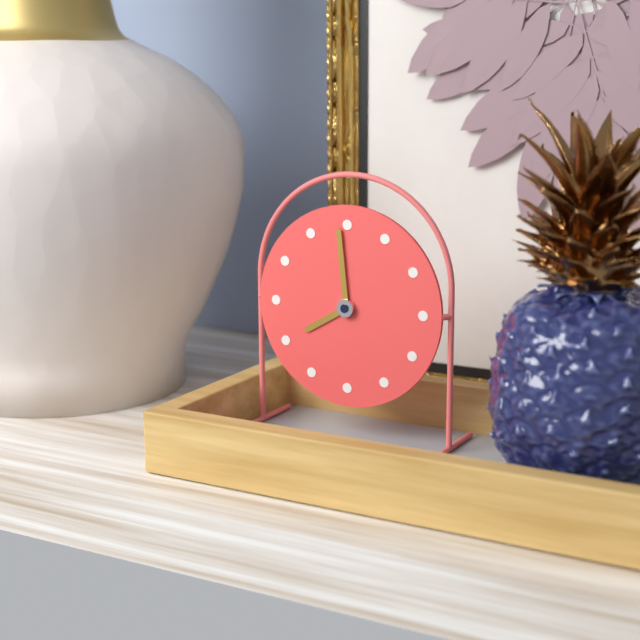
7:59
